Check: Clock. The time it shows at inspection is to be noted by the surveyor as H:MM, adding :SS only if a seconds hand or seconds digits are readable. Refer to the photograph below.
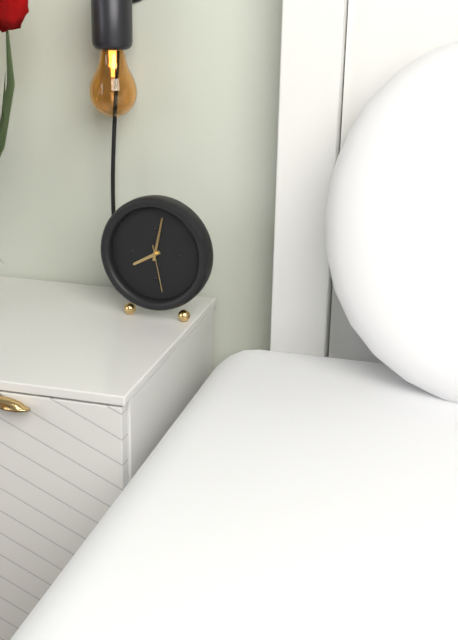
8:02
